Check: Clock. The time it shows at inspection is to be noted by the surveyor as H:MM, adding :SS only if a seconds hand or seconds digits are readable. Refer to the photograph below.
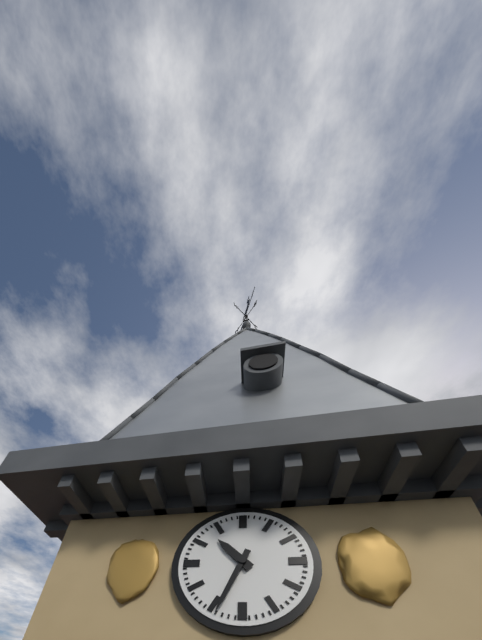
10:34
